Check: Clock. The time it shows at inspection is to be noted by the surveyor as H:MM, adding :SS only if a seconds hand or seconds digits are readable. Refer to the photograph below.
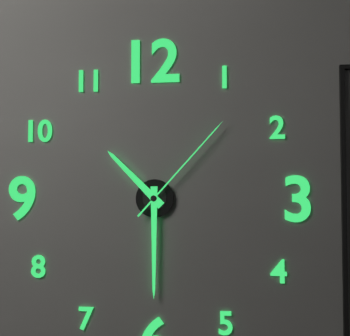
10:30:07
